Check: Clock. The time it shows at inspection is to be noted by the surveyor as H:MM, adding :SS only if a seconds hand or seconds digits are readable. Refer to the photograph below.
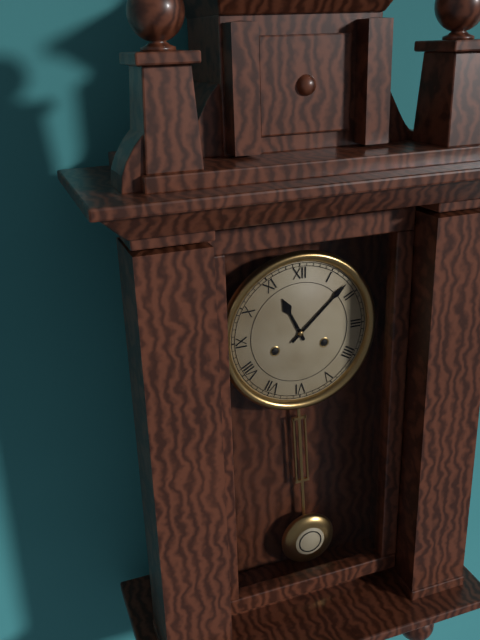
11:08
